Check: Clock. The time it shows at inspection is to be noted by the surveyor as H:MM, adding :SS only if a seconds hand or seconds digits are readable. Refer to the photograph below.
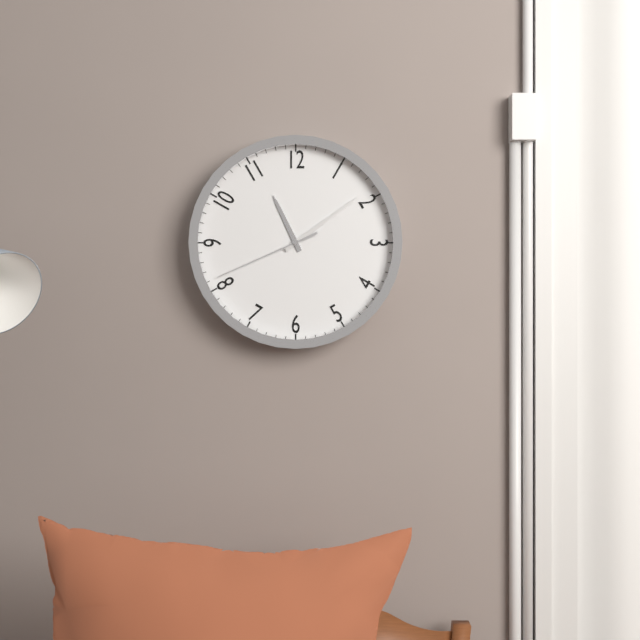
11:09:41
